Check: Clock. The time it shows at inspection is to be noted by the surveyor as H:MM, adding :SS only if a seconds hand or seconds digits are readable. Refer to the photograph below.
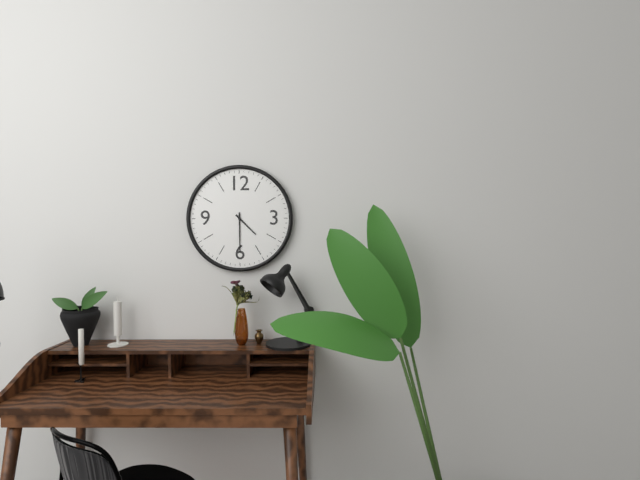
4:30
